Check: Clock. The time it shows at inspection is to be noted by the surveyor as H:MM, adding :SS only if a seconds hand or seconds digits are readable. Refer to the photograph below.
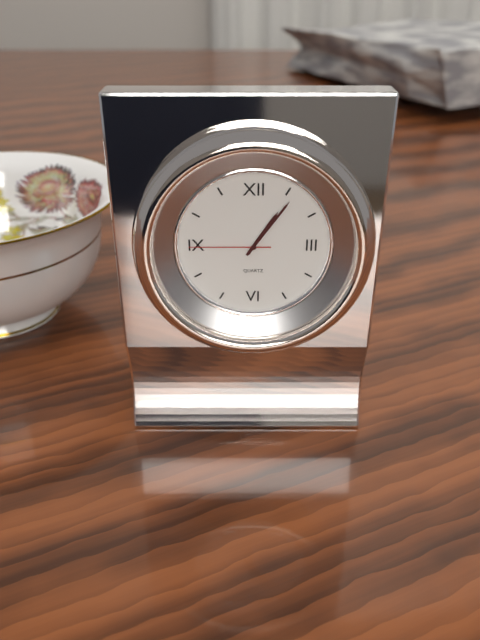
1:06:45
